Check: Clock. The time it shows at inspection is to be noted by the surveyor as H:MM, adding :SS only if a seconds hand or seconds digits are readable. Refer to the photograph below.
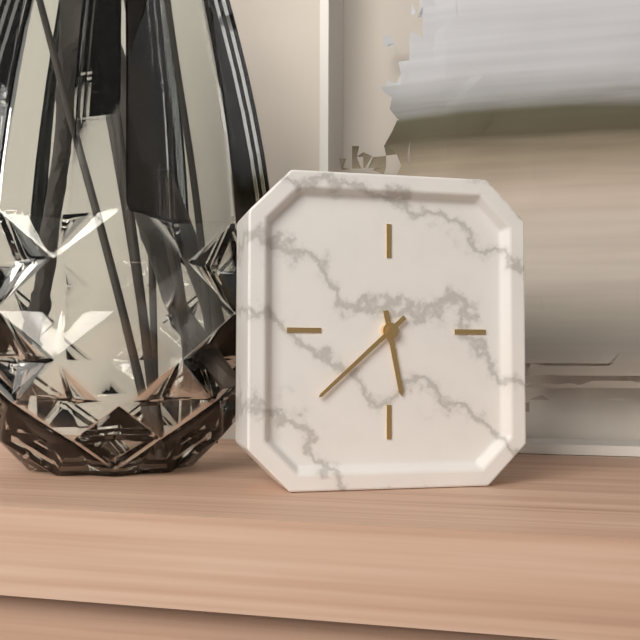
5:38
